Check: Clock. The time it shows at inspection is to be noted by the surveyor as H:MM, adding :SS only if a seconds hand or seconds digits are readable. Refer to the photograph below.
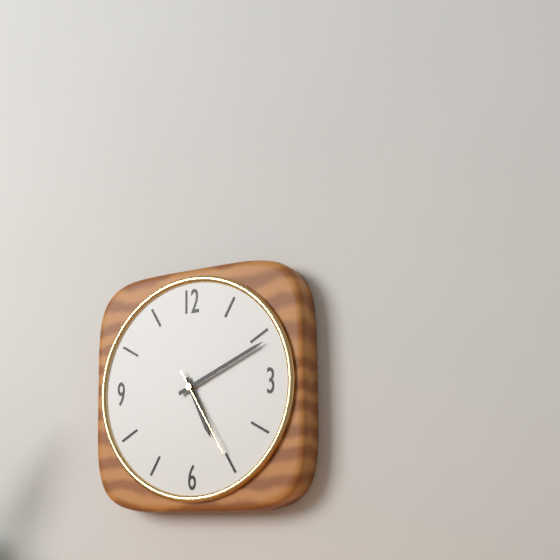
5:11:25
